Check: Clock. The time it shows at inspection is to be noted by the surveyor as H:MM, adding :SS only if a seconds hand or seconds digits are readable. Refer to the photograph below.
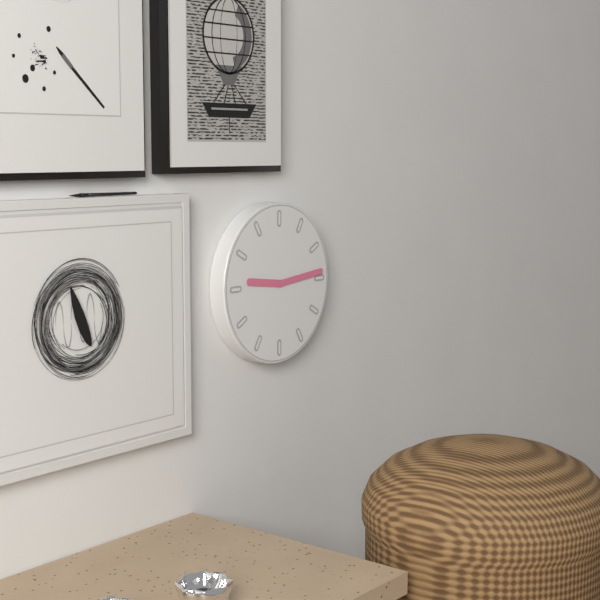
9:14
